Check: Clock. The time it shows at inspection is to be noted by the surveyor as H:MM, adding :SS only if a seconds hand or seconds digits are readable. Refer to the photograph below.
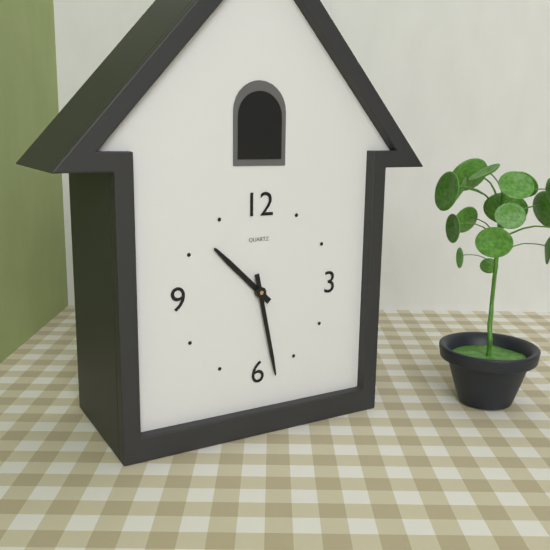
10:28
